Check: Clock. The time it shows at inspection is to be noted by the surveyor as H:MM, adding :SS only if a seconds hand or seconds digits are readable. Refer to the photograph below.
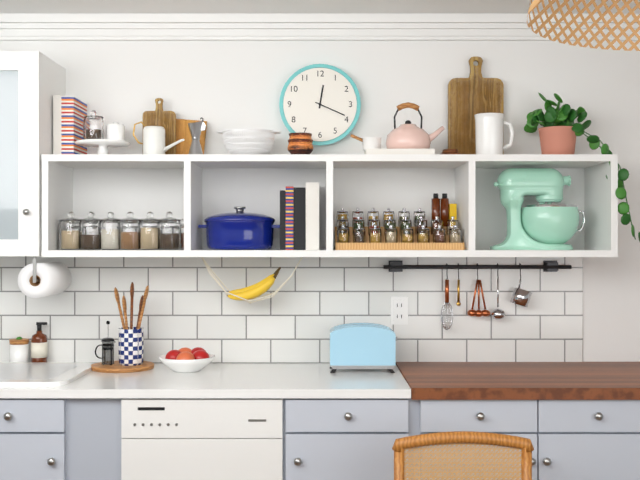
12:19
